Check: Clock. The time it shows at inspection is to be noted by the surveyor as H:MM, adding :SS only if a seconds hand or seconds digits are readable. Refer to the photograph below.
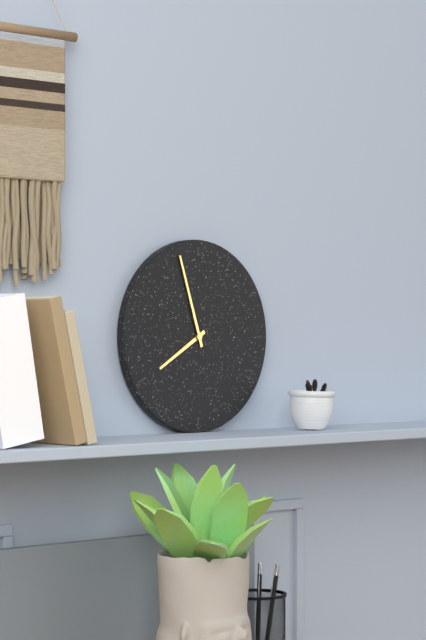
7:57
